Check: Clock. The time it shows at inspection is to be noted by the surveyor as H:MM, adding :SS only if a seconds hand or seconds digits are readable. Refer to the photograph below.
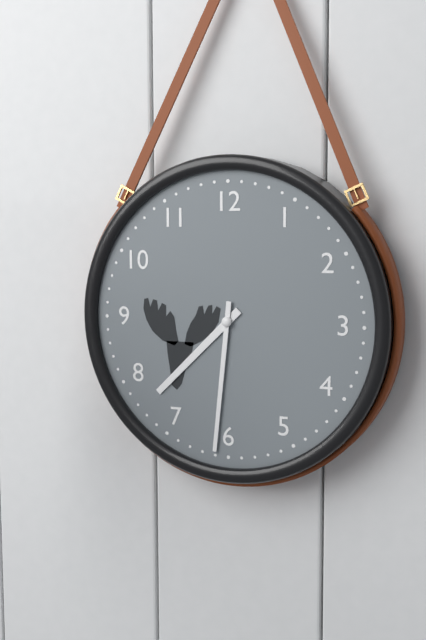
7:31
